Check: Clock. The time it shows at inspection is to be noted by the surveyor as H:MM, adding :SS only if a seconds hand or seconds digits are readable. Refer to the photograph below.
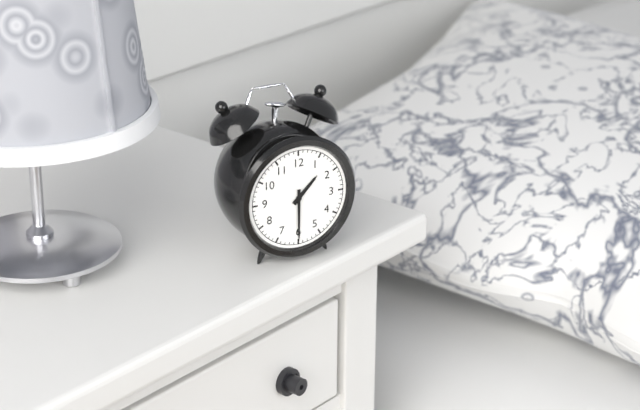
1:30
